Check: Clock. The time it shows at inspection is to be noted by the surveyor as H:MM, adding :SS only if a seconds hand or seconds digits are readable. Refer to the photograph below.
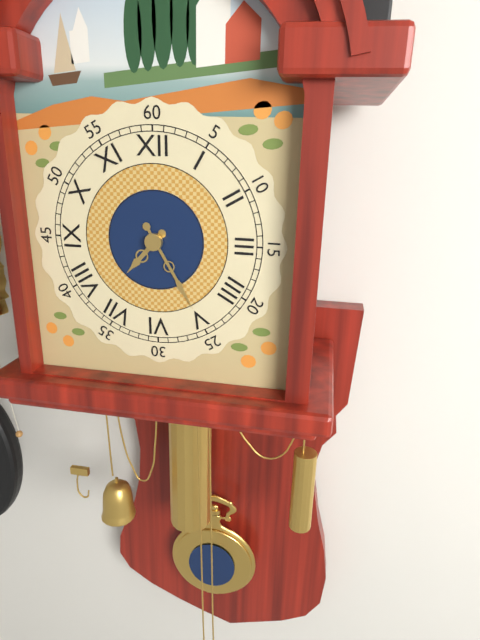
7:25
